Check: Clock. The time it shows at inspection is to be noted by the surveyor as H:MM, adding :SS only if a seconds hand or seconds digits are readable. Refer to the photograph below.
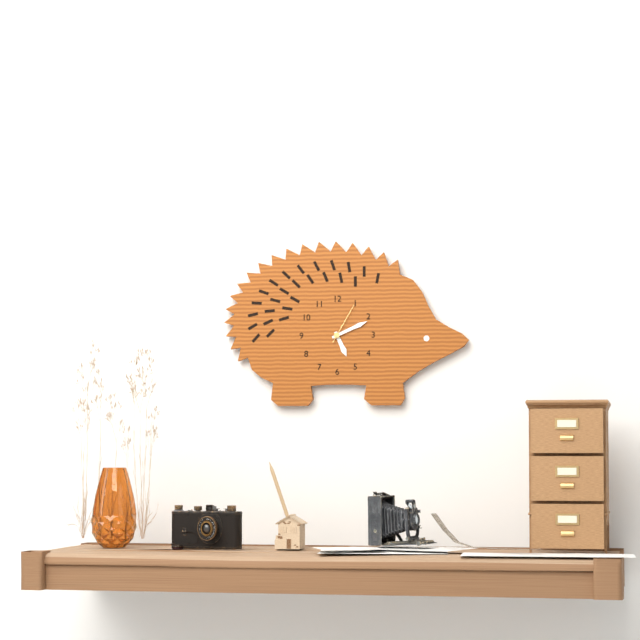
5:11
